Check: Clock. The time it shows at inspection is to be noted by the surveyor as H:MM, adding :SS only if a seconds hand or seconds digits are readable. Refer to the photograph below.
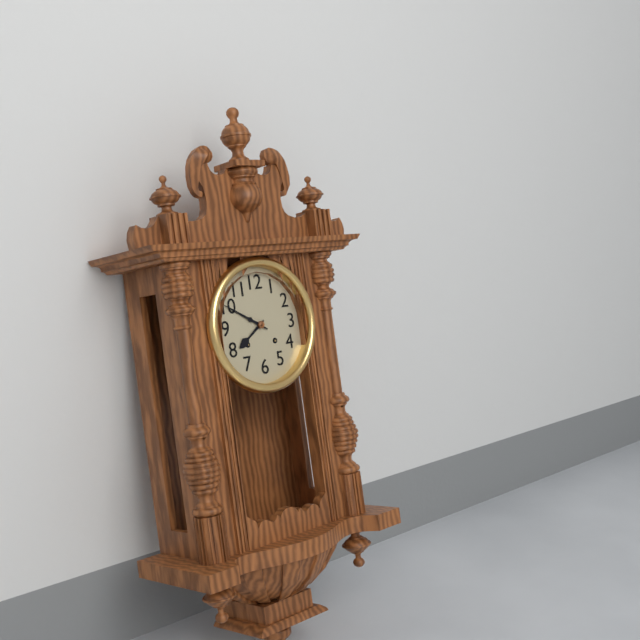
7:50
